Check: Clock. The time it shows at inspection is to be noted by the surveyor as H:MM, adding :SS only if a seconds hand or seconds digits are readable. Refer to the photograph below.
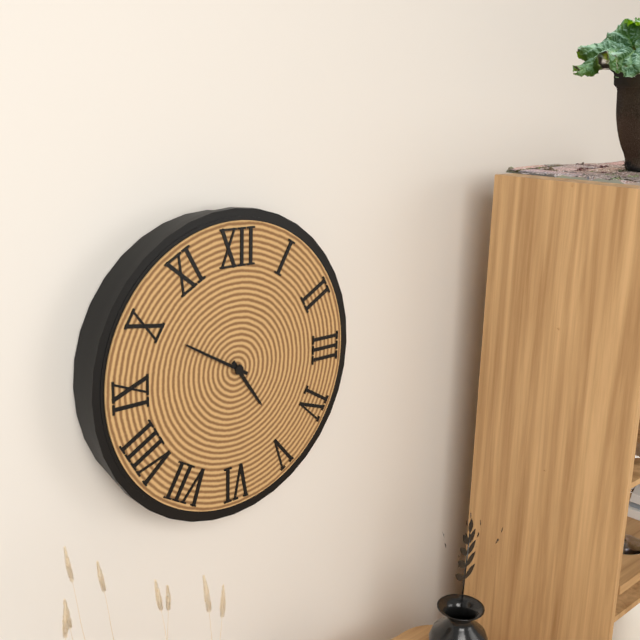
4:50
